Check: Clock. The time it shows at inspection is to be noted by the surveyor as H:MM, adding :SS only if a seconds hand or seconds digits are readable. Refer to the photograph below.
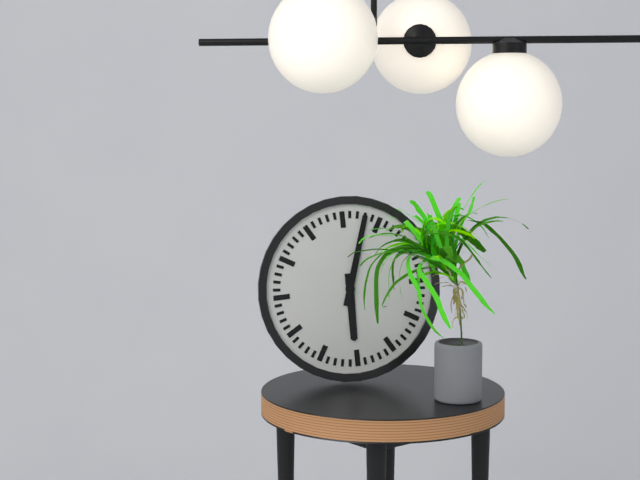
6:03
